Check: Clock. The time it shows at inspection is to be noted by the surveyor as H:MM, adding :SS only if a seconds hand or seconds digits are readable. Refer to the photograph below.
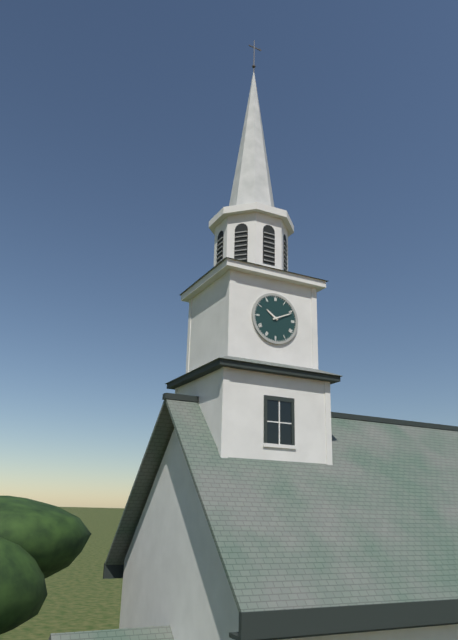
10:11
